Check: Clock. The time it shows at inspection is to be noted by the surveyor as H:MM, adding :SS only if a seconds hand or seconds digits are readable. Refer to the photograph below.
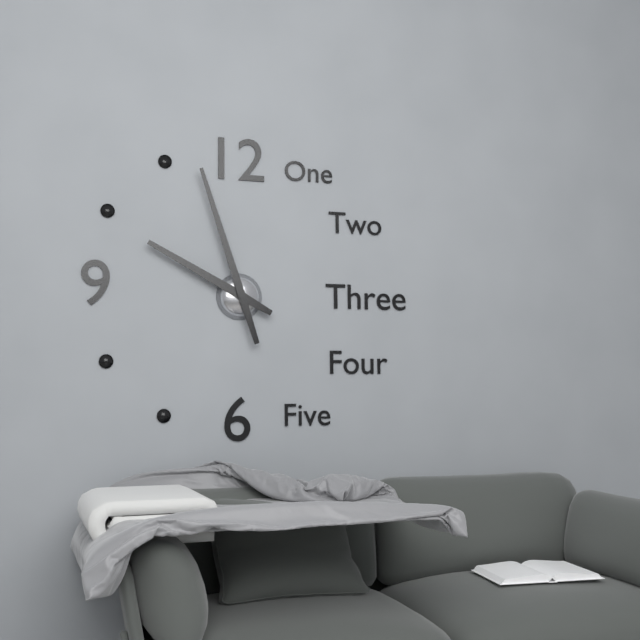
9:57
